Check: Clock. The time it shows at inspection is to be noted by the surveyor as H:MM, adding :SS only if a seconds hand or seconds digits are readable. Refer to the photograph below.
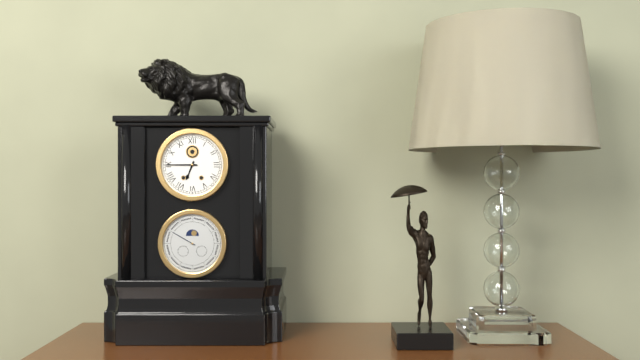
6:45
